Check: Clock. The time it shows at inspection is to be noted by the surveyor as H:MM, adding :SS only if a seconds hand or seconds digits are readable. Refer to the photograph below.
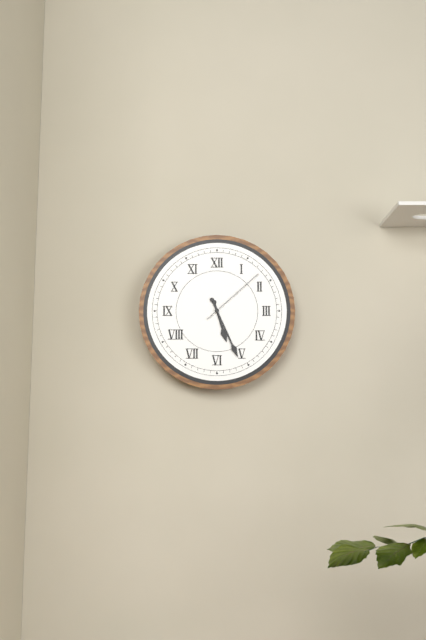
5:26:08
